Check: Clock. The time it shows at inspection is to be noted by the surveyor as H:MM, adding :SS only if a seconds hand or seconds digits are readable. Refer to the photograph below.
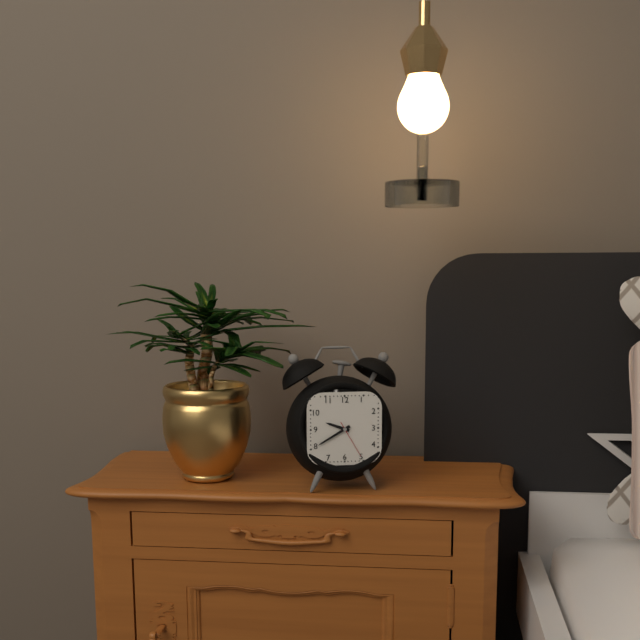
9:40
